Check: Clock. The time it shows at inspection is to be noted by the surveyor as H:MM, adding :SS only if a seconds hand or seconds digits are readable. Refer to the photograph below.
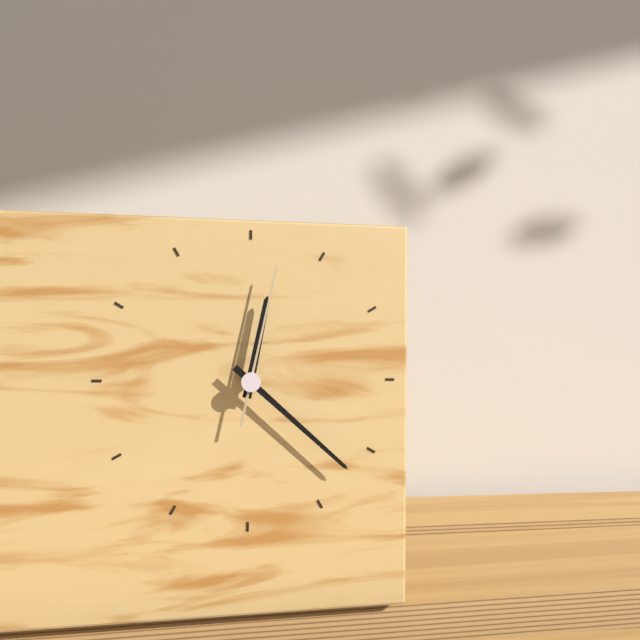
12:22:02
